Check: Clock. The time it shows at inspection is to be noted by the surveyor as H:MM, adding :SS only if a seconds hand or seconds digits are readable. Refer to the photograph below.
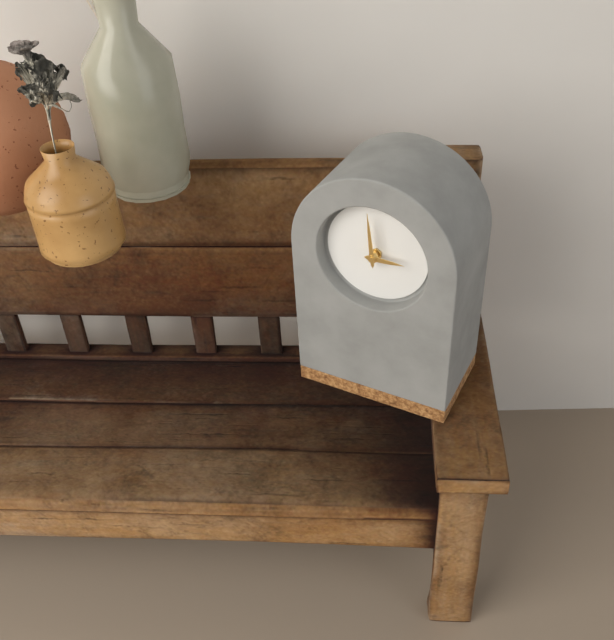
2:59
